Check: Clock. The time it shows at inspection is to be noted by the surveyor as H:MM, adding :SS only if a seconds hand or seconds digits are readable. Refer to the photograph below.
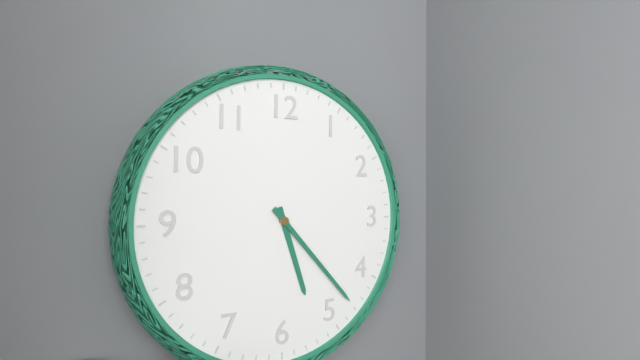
5:23
